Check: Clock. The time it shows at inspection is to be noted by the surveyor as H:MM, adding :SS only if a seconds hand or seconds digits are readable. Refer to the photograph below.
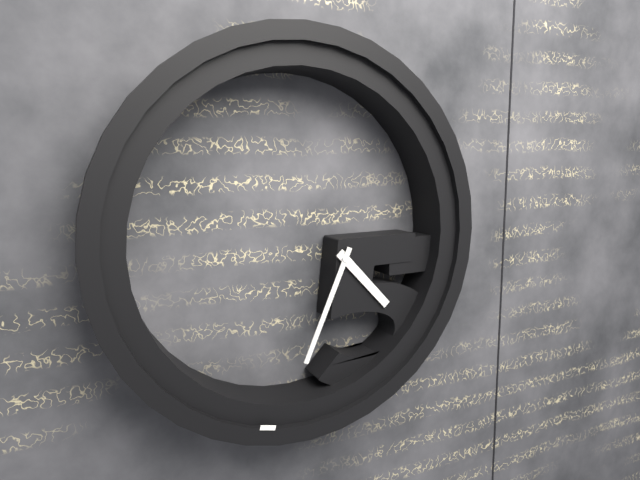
4:34
